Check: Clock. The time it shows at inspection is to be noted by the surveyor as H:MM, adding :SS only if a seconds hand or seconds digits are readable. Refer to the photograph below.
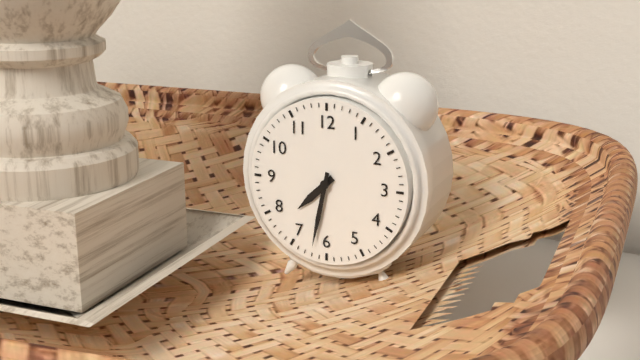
7:32
